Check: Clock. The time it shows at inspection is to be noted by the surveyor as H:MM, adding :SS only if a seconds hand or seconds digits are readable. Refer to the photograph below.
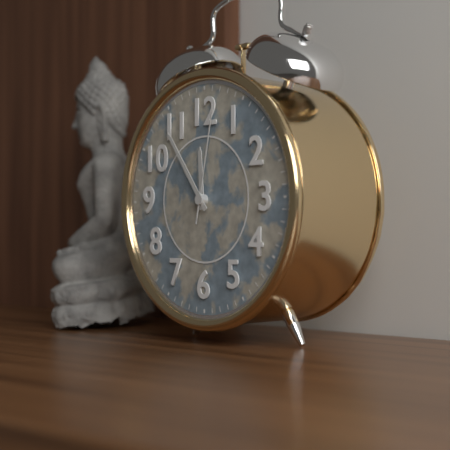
11:54:02
